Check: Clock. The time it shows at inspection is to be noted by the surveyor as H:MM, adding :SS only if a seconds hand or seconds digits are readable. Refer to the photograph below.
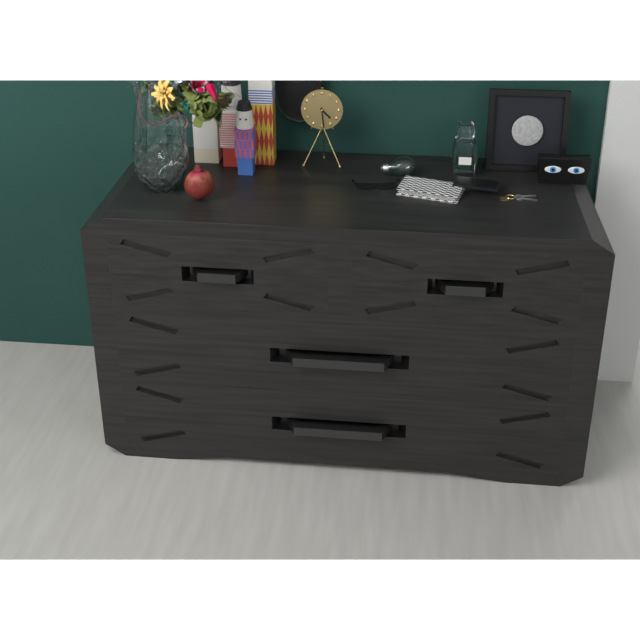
4:29
